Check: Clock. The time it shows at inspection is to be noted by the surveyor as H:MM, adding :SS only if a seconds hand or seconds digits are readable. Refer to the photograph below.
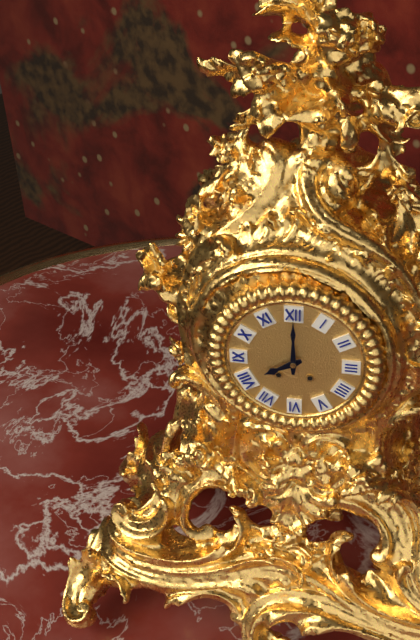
8:00
